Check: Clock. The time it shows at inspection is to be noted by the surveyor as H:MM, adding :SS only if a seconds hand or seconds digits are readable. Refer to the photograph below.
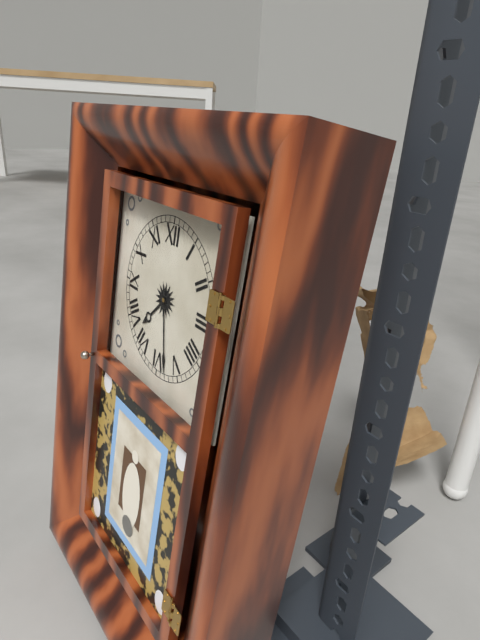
7:28
